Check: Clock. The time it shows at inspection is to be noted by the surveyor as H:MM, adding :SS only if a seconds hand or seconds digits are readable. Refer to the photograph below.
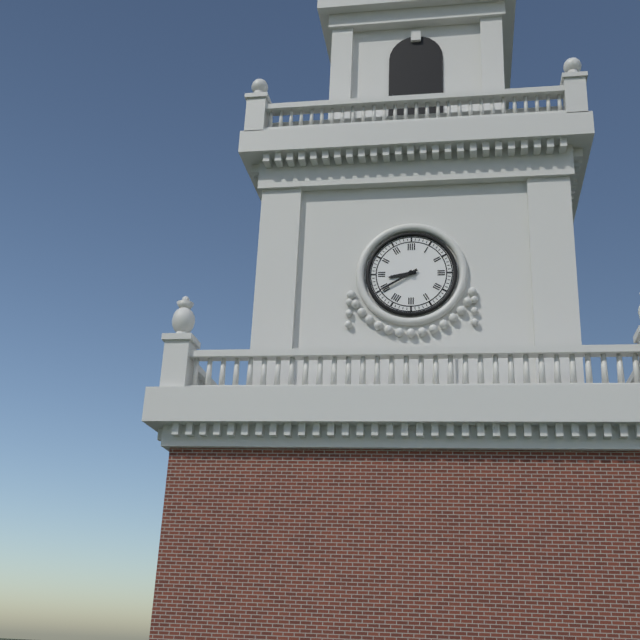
8:40
